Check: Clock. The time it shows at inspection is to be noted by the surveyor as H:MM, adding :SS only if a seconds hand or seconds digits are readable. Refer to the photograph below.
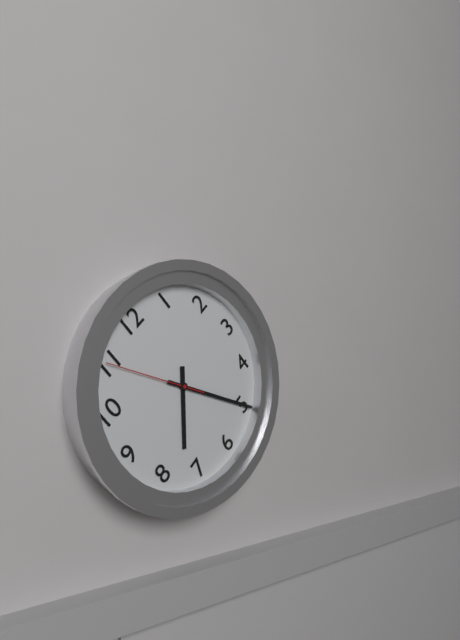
7:25:55
